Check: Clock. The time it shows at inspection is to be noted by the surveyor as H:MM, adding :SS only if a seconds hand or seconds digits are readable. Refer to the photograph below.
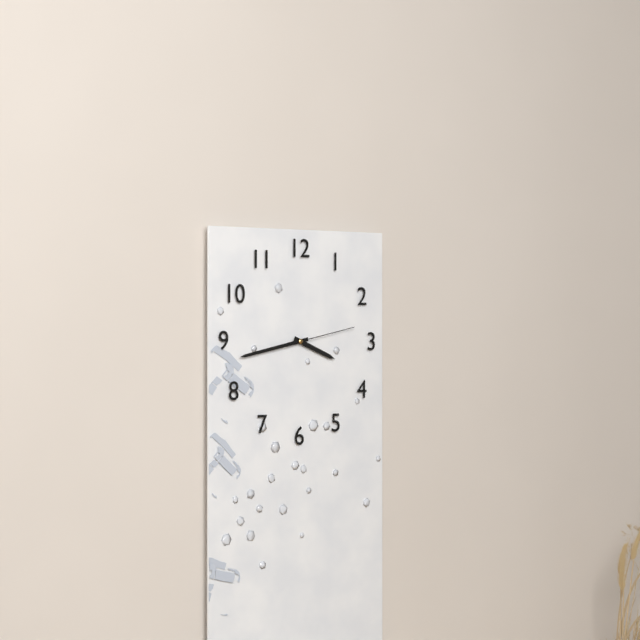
3:43:13
